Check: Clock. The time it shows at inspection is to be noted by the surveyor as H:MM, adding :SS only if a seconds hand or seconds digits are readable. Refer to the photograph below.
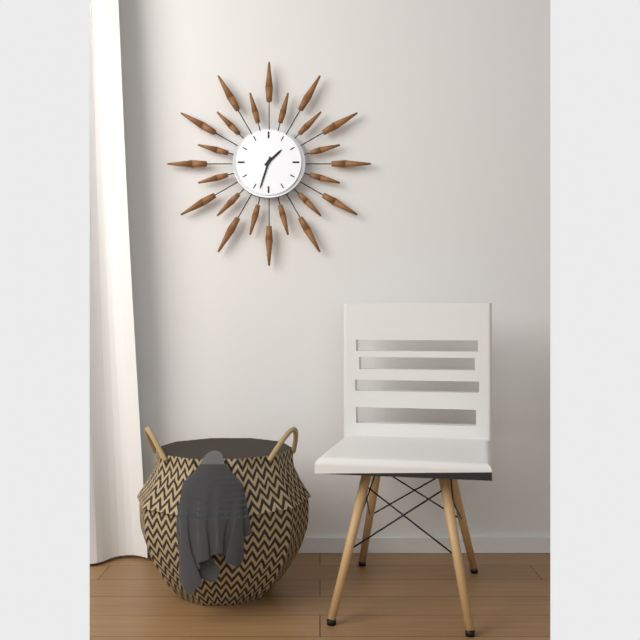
1:33
